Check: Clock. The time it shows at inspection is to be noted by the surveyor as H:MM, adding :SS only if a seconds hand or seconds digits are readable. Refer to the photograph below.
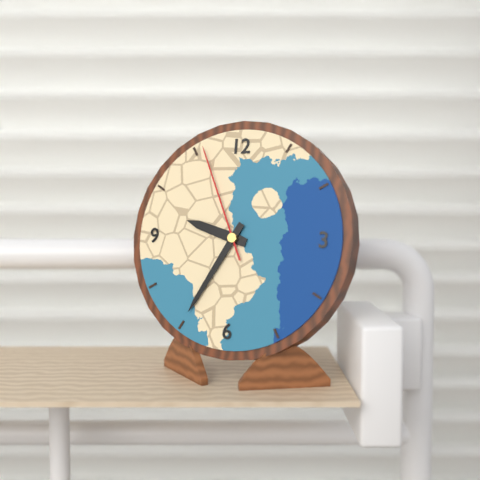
9:35:56
